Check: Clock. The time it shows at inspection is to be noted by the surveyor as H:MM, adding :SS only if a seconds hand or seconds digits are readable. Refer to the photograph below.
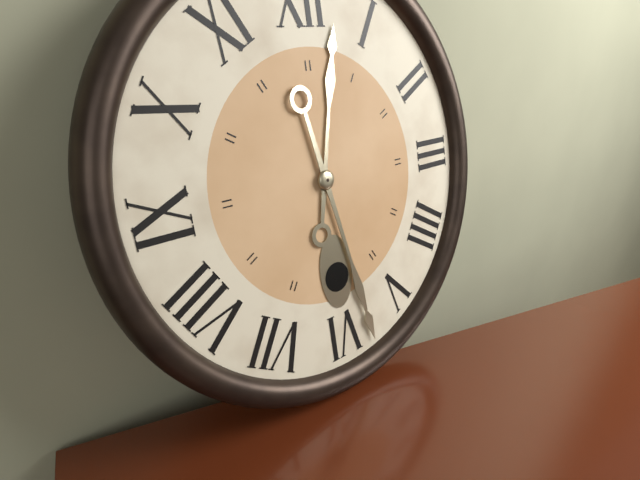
12:28
